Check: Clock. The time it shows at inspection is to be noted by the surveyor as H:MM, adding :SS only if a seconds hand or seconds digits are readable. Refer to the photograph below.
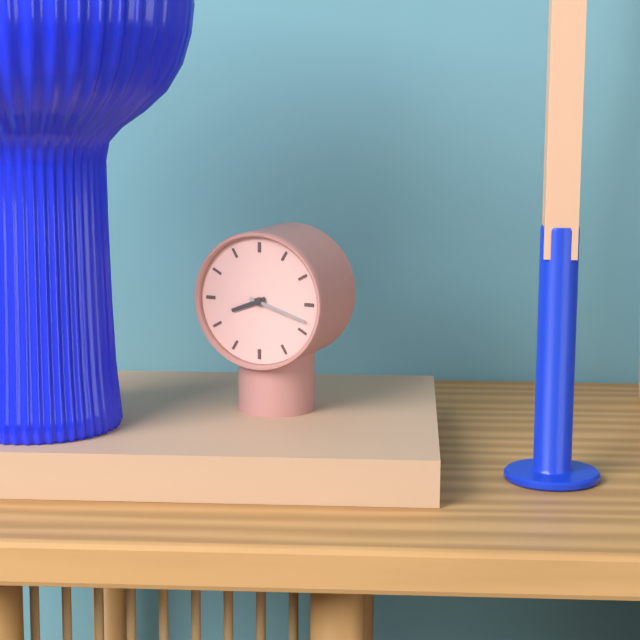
8:18
